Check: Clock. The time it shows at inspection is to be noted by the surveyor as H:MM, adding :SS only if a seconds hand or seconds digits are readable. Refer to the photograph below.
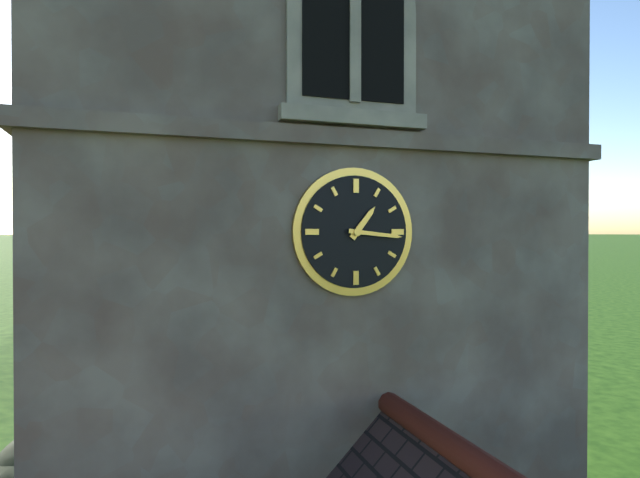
1:16
